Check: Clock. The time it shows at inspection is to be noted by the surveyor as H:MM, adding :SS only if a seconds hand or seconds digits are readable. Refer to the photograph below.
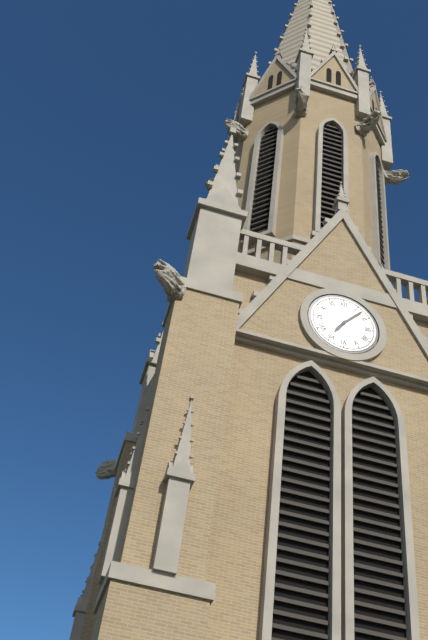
7:07
